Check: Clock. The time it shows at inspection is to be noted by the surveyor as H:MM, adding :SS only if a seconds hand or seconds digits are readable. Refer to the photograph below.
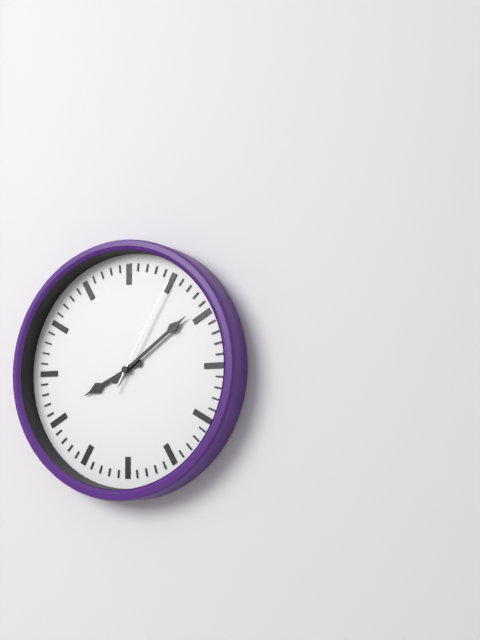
8:09:05
